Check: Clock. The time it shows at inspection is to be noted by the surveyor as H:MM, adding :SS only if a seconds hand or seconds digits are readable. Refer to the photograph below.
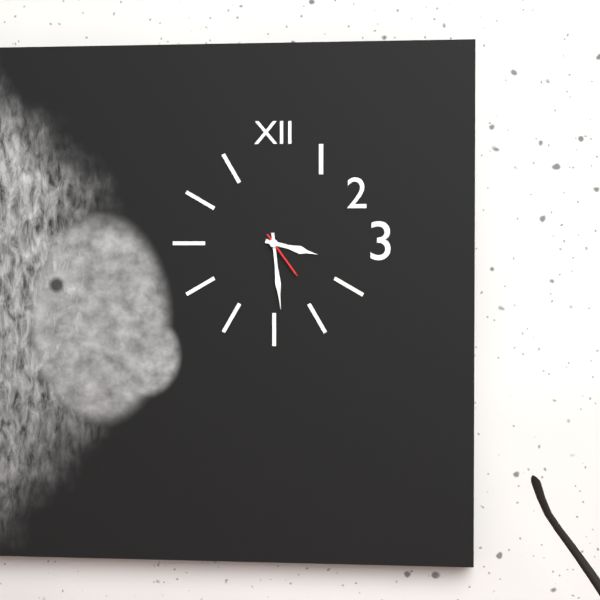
3:29:24
